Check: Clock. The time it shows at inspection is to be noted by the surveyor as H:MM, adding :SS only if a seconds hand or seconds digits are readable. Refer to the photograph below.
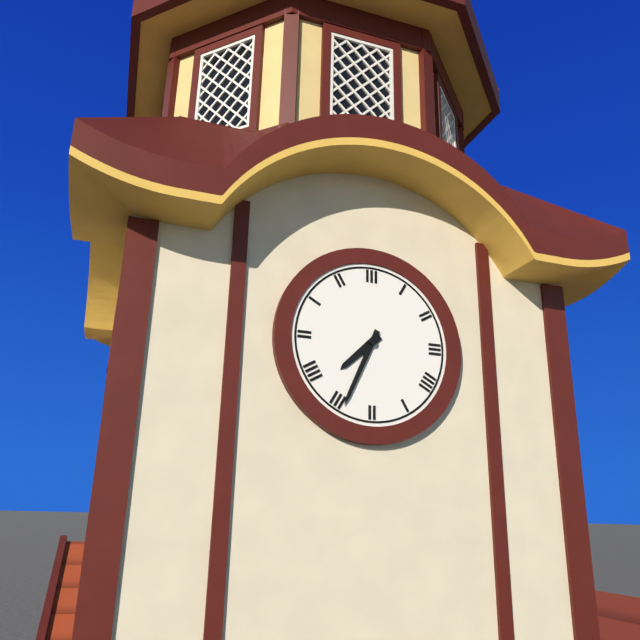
7:34
